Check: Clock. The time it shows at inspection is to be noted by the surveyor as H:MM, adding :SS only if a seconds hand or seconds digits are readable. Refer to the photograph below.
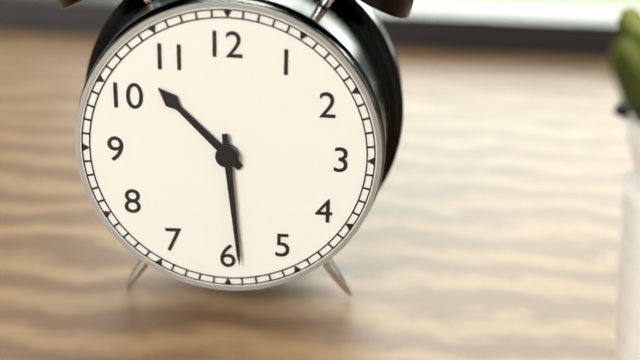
10:29
